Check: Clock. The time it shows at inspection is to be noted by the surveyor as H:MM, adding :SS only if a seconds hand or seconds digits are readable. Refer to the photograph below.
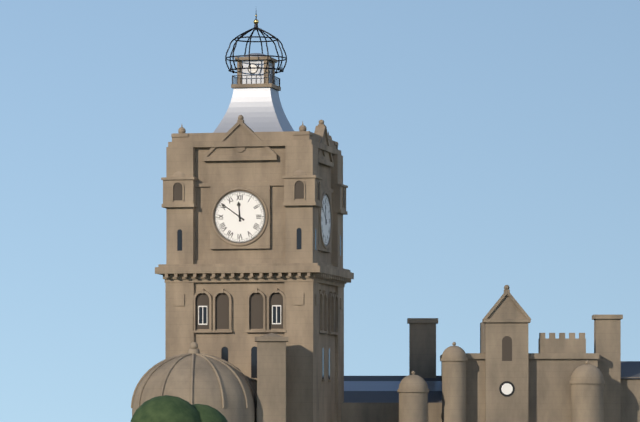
11:51
